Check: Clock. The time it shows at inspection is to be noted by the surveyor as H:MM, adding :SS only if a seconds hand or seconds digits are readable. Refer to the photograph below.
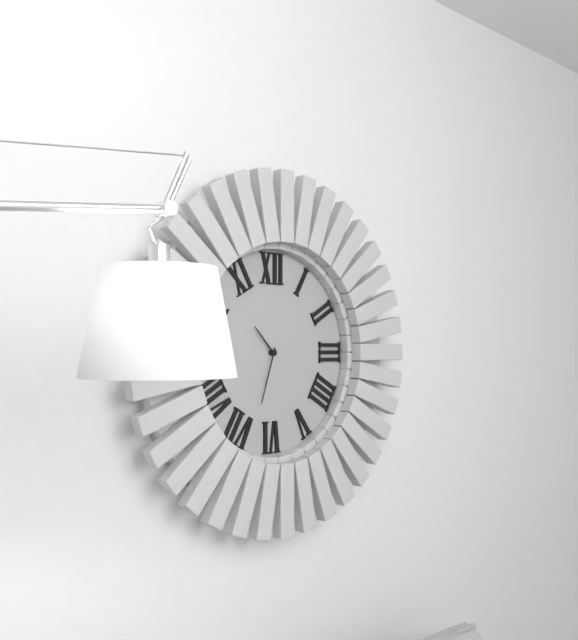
10:33
